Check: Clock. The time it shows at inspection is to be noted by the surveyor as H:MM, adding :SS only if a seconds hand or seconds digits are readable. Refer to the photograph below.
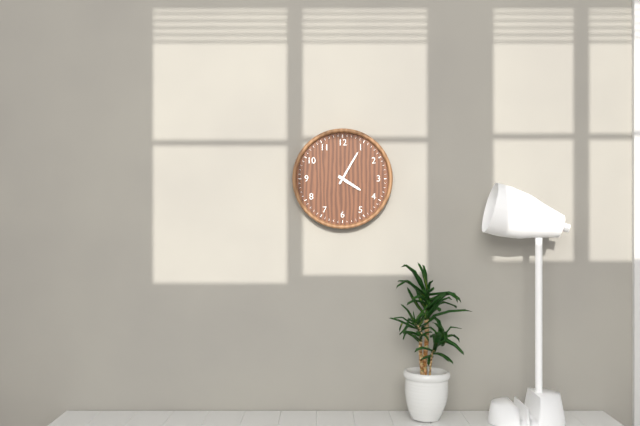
4:05
